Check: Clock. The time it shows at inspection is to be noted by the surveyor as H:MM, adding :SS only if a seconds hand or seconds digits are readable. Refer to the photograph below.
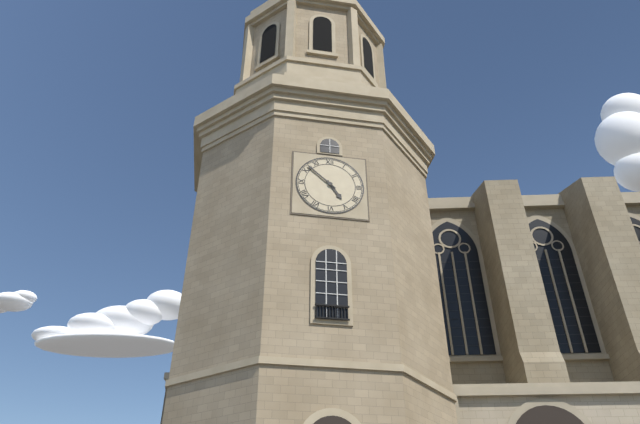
4:52
